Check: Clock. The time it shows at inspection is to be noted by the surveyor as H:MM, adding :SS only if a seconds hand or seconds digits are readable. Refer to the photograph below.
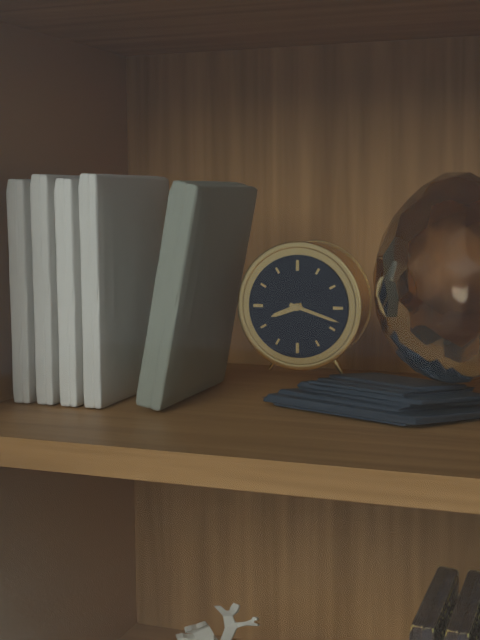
8:18
